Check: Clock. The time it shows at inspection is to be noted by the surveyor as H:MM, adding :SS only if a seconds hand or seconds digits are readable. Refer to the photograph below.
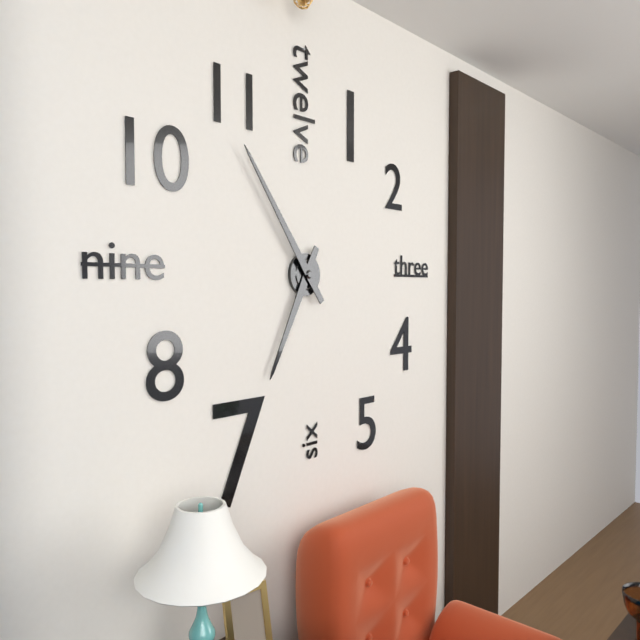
6:54
